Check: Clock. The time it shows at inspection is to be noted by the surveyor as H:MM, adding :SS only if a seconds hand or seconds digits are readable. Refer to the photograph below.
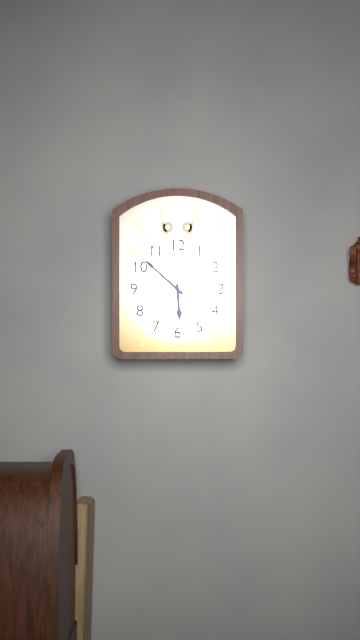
5:52
